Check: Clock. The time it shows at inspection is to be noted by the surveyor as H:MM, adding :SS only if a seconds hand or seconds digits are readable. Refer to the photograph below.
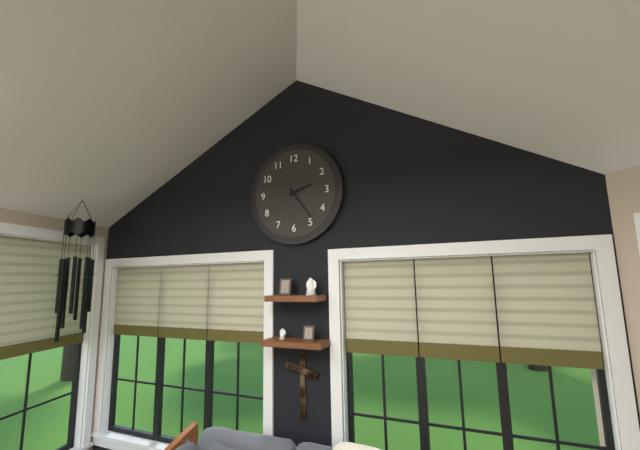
2:24
